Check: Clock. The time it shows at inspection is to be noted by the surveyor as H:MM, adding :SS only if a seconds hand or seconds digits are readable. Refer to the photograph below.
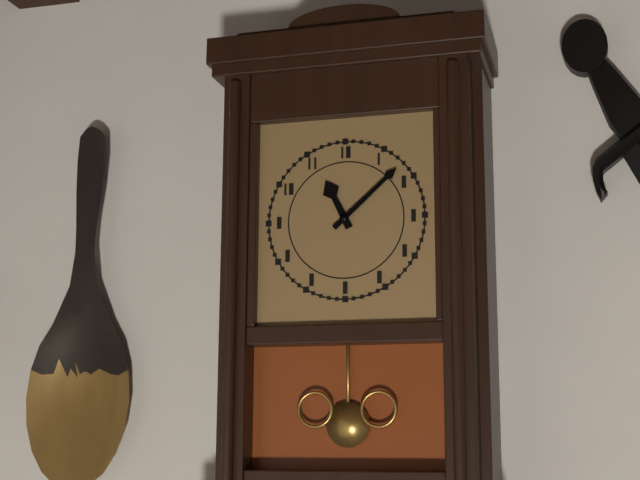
11:08
